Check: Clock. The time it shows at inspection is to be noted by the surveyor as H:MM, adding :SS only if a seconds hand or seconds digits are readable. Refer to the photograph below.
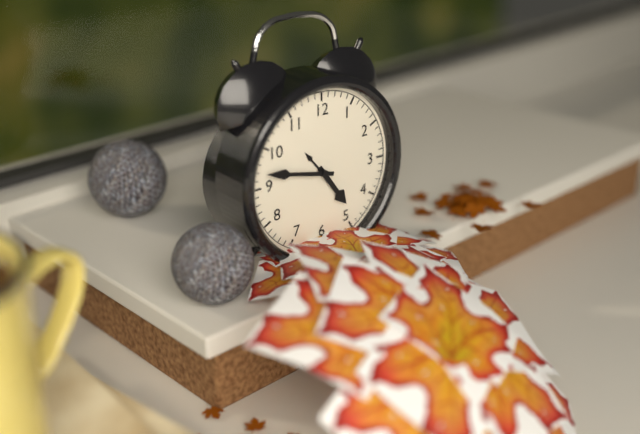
4:47
